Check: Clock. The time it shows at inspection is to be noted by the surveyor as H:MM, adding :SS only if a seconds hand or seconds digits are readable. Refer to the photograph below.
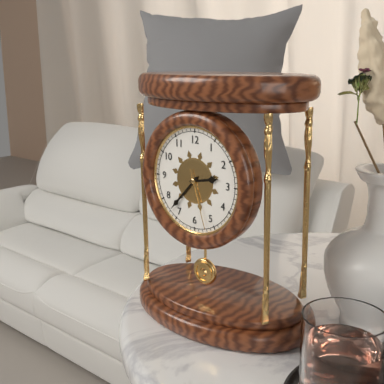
2:37:27
